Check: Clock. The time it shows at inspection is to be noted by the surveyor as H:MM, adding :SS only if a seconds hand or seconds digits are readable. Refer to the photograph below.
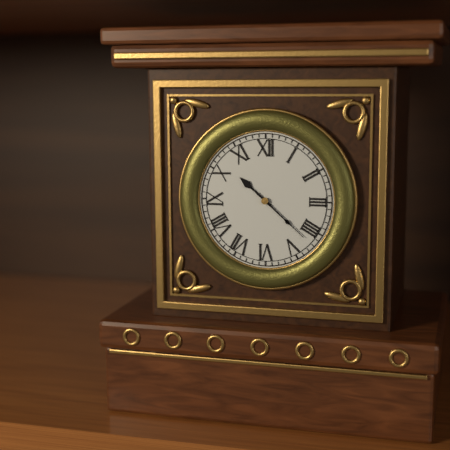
10:22
